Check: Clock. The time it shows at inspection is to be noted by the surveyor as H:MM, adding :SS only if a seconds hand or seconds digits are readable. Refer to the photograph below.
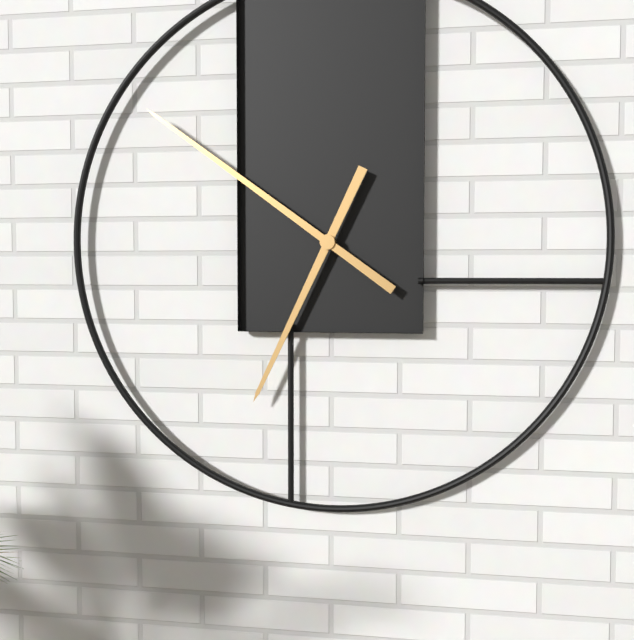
6:51
